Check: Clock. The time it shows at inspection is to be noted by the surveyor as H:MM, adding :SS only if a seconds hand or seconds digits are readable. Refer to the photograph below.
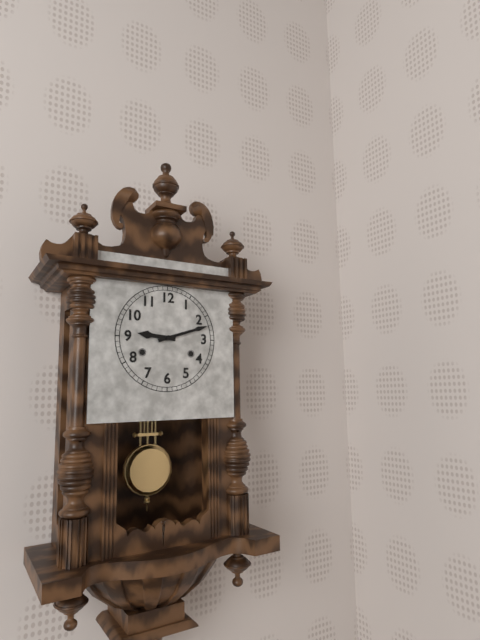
9:12
